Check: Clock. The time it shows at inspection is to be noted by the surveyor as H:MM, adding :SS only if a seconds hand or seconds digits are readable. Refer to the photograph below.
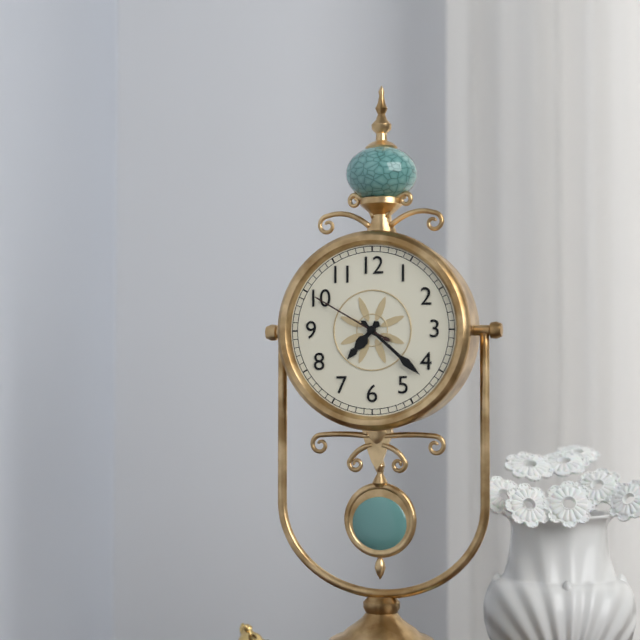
7:22:50
